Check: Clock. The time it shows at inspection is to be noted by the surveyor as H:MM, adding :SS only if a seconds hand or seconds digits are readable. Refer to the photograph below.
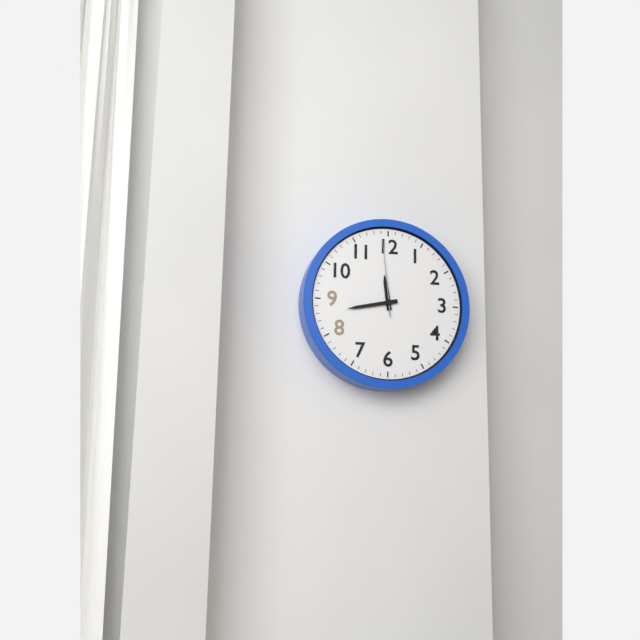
11:43:59
